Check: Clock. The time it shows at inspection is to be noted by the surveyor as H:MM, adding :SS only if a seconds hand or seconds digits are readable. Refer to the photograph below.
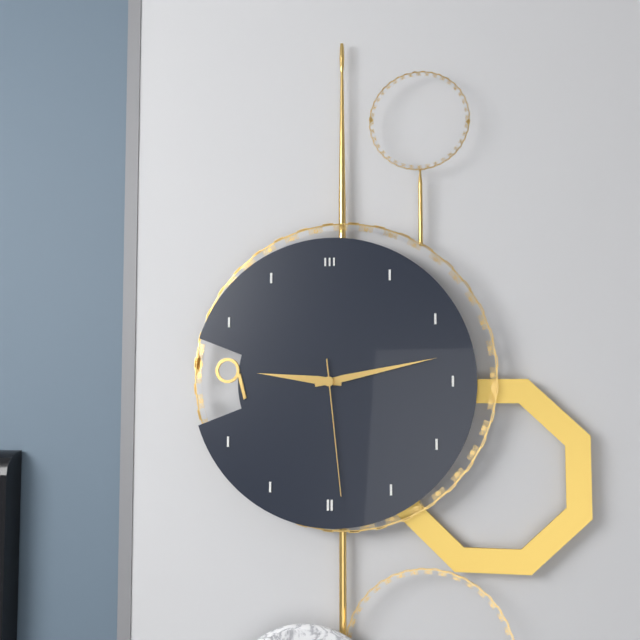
9:13:29
